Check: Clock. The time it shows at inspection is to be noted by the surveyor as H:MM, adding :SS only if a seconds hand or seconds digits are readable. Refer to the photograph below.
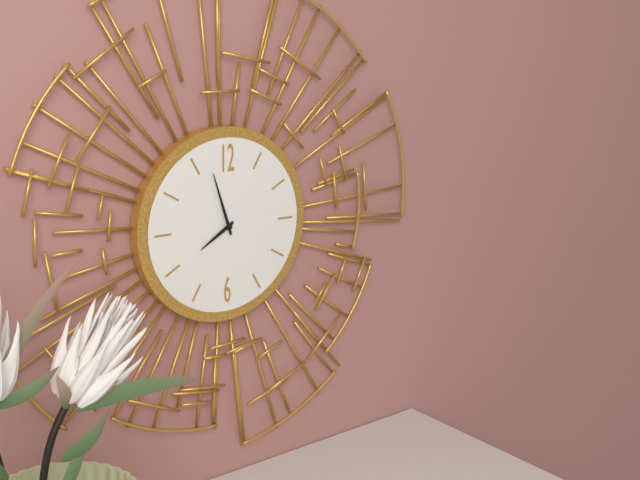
7:57
